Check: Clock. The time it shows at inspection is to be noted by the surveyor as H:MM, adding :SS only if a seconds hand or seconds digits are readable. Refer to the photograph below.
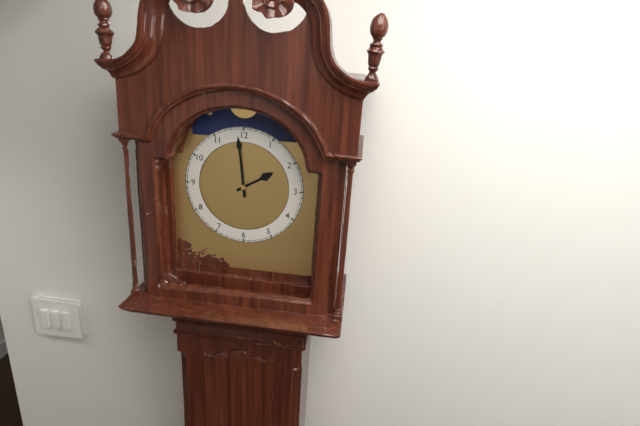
1:59
